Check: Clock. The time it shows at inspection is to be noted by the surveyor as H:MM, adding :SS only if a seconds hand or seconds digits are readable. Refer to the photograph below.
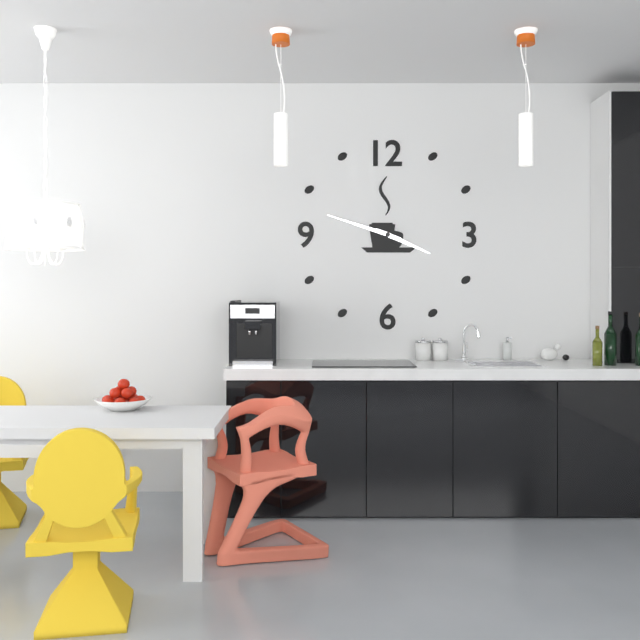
3:48
